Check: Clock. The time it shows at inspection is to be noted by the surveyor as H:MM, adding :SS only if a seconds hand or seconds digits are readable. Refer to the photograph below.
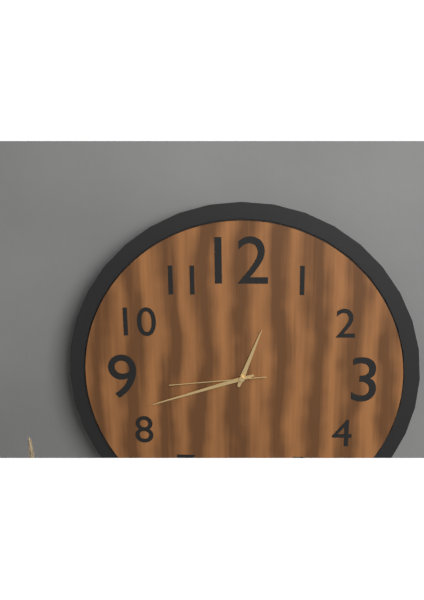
12:42:44
